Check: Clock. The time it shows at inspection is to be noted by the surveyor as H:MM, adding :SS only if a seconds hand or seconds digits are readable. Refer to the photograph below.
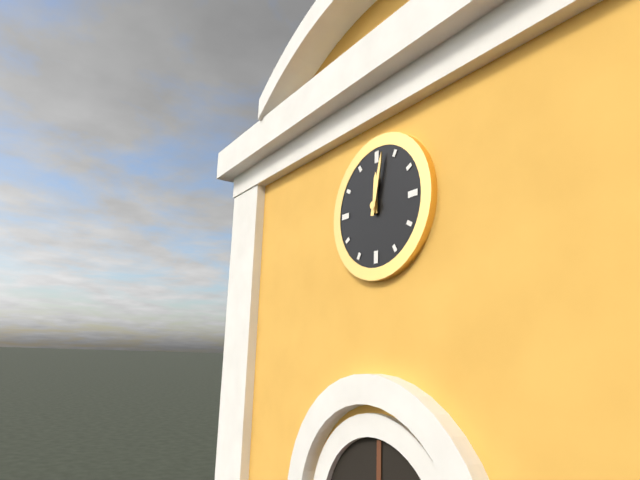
12:02
